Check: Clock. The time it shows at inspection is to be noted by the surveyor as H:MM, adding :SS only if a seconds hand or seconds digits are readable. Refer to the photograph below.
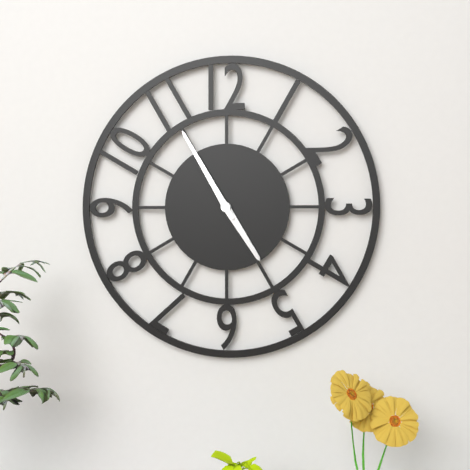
4:55
